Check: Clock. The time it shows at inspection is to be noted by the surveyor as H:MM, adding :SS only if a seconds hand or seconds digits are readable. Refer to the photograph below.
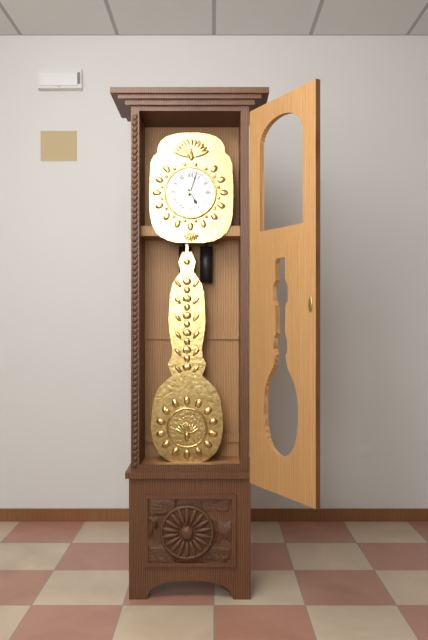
5:03
